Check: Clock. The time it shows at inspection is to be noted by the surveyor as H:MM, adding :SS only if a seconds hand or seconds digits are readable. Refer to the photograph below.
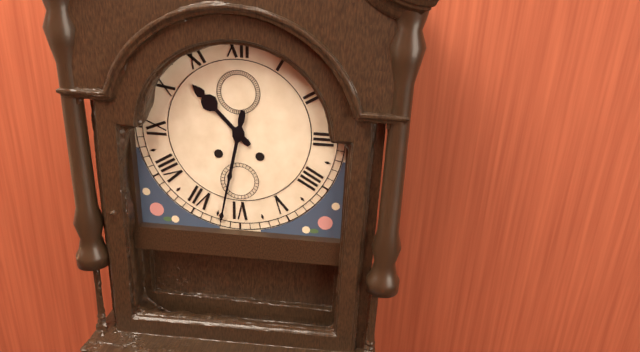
10:32
